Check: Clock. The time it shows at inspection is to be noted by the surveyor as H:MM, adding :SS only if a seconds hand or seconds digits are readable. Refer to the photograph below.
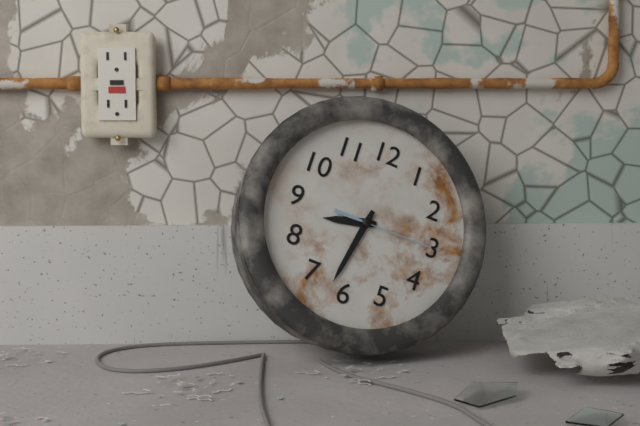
8:32:15
